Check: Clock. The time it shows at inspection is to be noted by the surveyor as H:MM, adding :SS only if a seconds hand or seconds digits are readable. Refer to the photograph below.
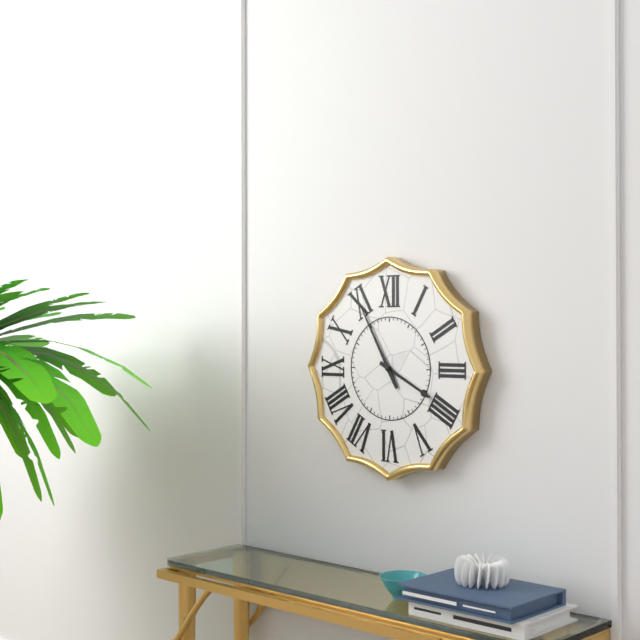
3:55
